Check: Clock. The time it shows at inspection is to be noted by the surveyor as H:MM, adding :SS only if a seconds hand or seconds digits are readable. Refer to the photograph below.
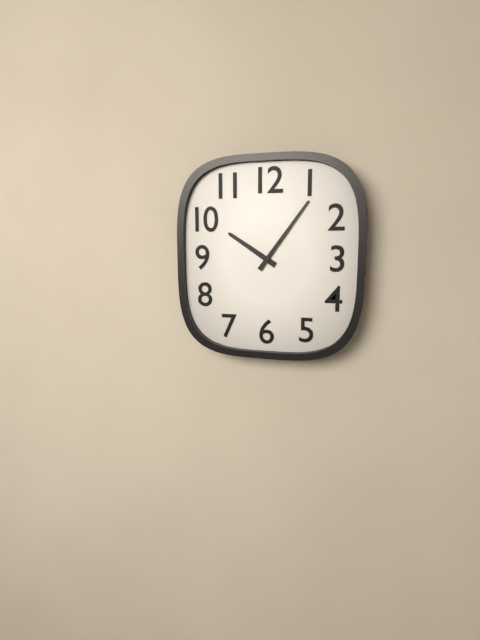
10:06
